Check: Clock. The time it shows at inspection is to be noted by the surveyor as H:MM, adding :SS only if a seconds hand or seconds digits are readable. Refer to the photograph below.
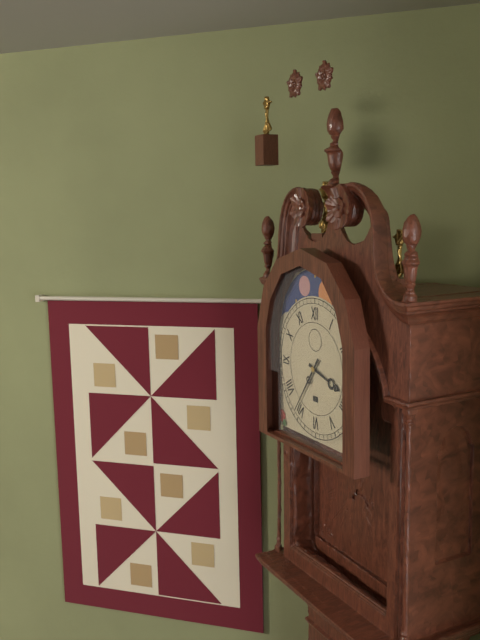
3:36
